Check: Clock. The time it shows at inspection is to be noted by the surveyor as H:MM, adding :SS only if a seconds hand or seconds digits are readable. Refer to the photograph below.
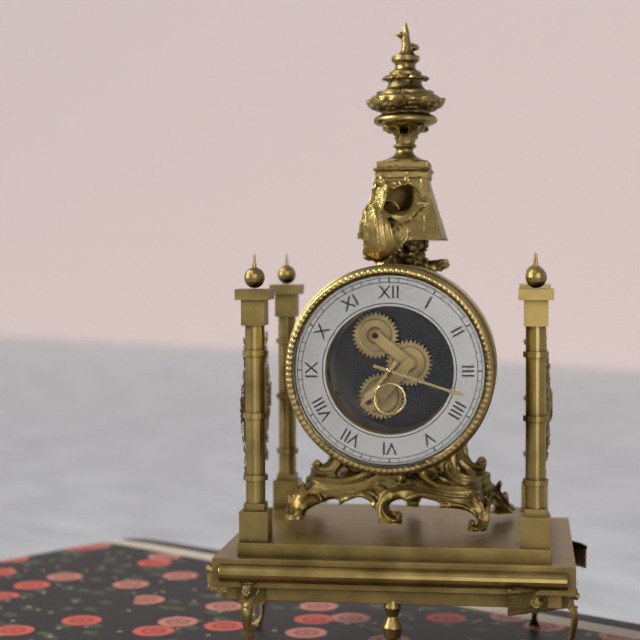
7:18
